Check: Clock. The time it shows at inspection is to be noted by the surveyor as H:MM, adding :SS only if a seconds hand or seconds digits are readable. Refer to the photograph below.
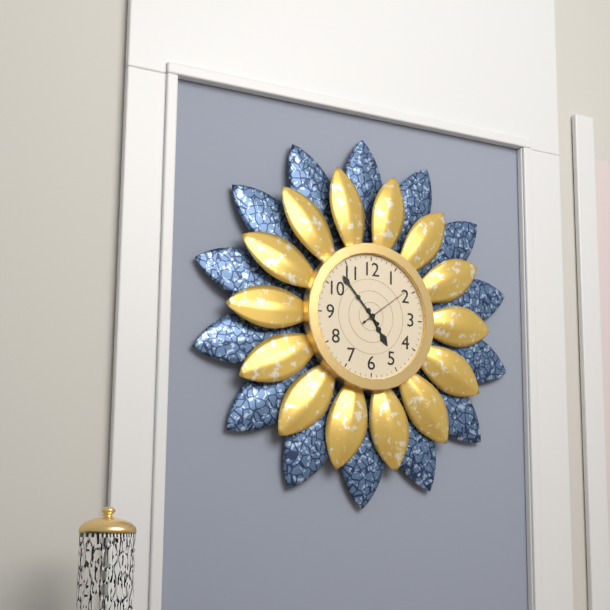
4:53:09
